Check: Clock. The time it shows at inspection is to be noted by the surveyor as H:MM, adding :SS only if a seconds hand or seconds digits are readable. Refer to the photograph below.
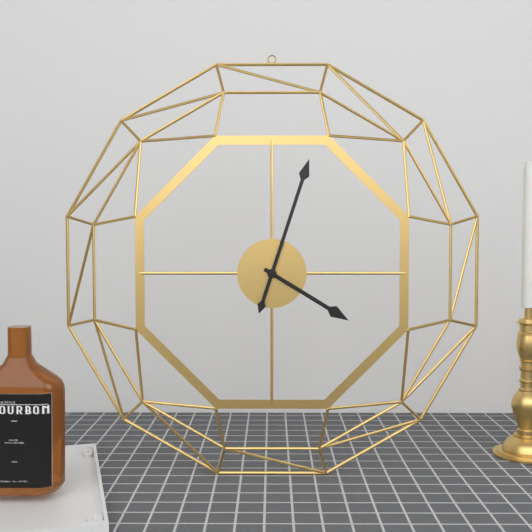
4:03
